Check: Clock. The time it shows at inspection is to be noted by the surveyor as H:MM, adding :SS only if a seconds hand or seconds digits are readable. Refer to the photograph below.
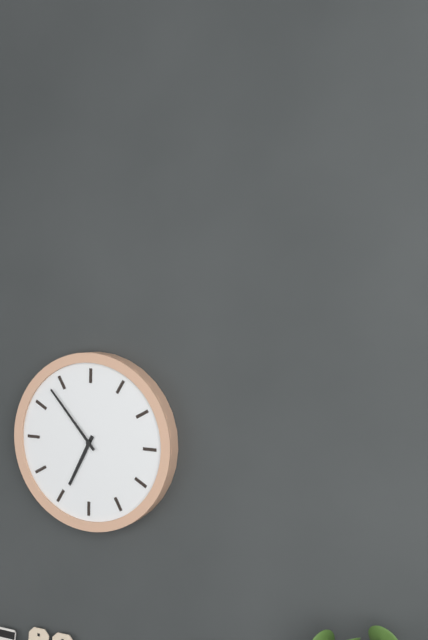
6:53
